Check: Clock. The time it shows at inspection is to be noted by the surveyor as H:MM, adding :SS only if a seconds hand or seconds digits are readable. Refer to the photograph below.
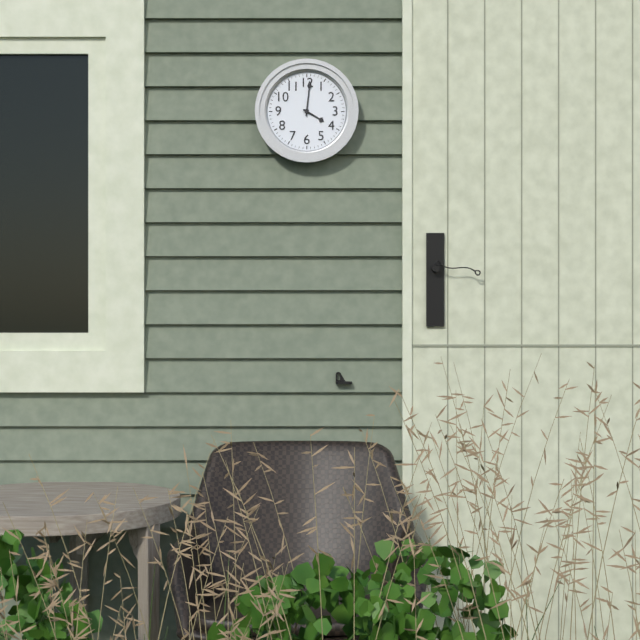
4:01
